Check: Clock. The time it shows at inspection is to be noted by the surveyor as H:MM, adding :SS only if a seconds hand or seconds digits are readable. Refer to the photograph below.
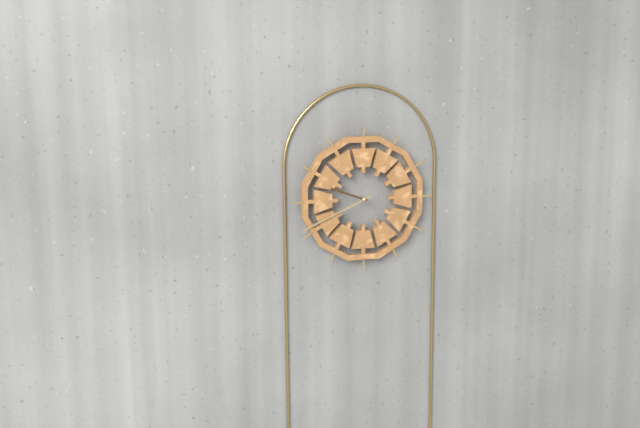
9:41
